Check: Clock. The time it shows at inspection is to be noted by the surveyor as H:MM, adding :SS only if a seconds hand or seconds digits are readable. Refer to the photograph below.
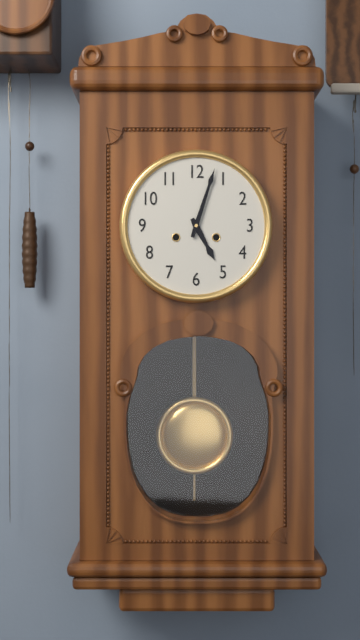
5:03
